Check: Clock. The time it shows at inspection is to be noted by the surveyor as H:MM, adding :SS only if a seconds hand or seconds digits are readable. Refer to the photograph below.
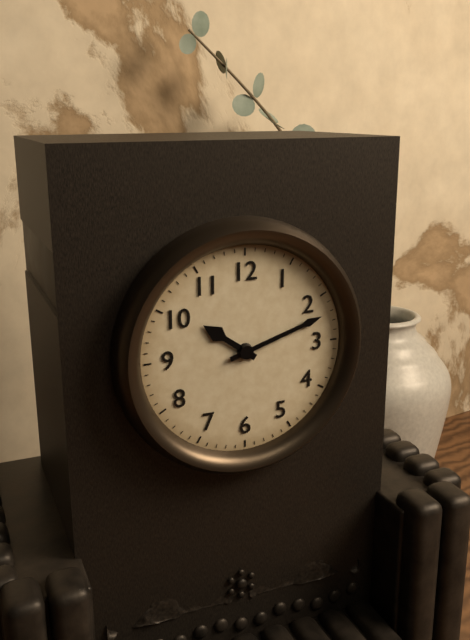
10:12
